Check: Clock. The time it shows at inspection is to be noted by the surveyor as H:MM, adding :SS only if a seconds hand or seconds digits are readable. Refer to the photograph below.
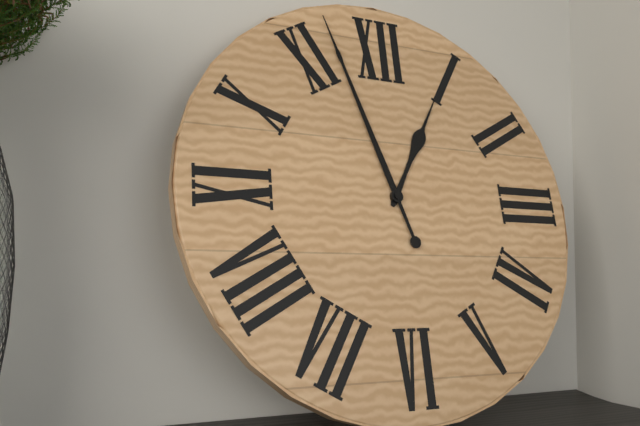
12:57
